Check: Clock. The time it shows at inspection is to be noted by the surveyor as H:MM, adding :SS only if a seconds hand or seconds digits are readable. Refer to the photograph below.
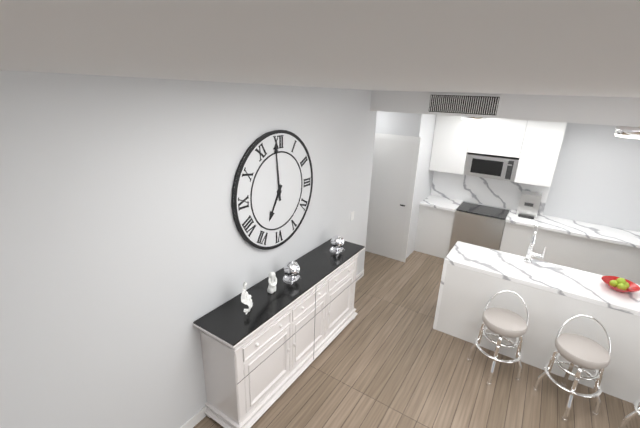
6:59
